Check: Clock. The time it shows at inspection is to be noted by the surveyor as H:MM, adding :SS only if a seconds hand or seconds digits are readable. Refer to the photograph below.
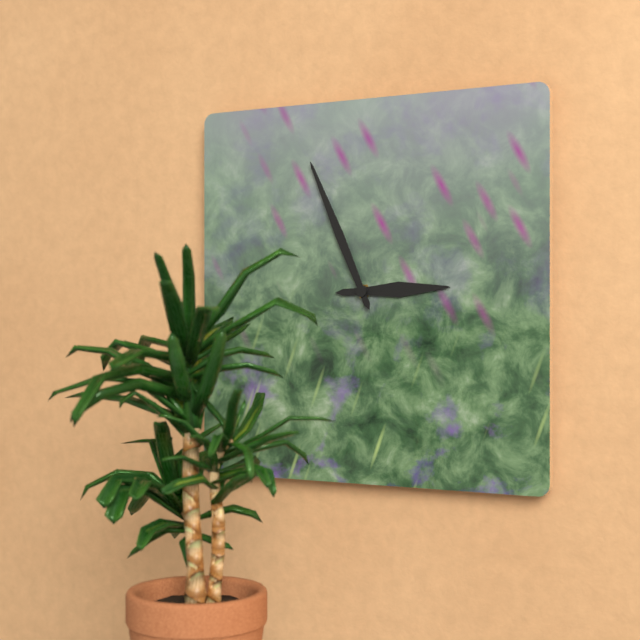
2:56
